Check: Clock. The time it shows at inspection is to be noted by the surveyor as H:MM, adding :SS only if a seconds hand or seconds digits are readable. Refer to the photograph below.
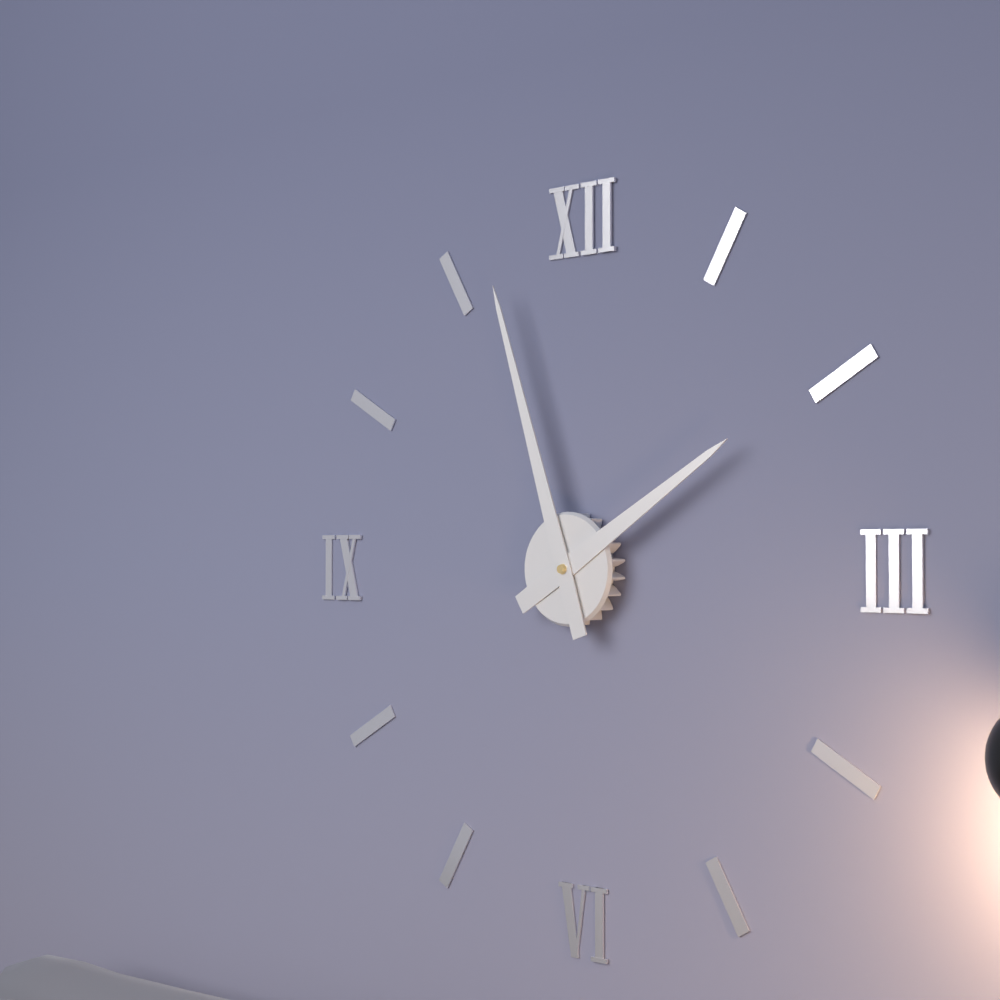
1:57
